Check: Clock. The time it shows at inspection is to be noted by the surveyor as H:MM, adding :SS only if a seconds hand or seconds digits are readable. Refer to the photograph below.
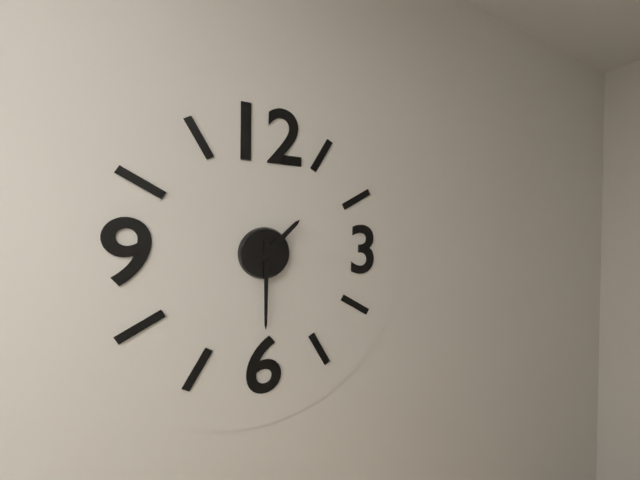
1:30
